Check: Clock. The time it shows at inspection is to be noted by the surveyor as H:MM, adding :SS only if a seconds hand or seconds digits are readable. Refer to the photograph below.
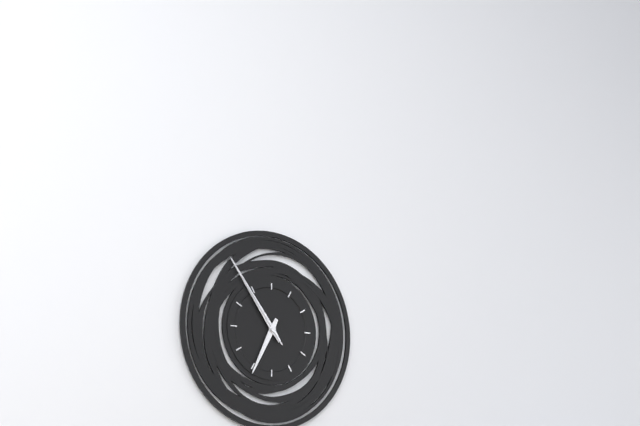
6:54:54
